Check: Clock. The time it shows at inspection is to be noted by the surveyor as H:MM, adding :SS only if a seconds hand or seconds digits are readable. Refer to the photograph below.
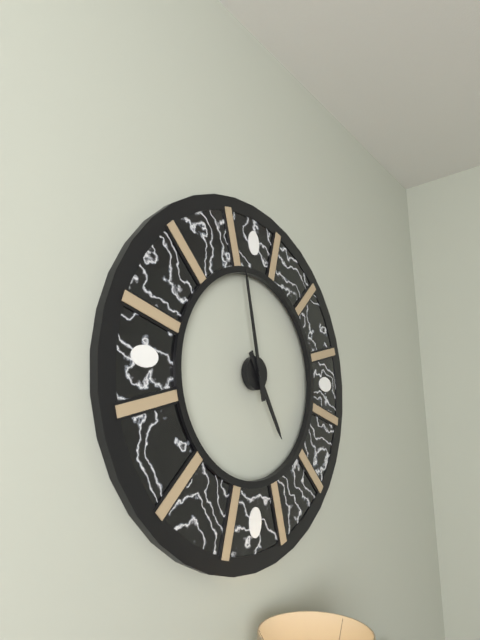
4:58
